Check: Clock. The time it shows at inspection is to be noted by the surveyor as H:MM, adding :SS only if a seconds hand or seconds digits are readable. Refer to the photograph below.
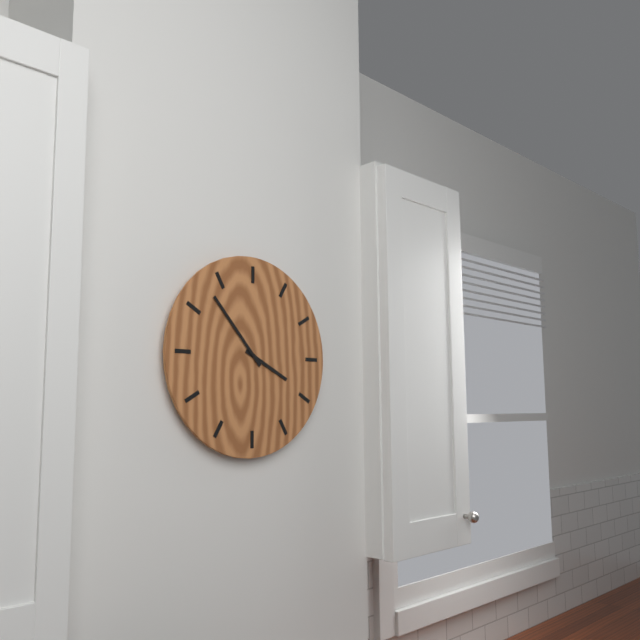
3:53
